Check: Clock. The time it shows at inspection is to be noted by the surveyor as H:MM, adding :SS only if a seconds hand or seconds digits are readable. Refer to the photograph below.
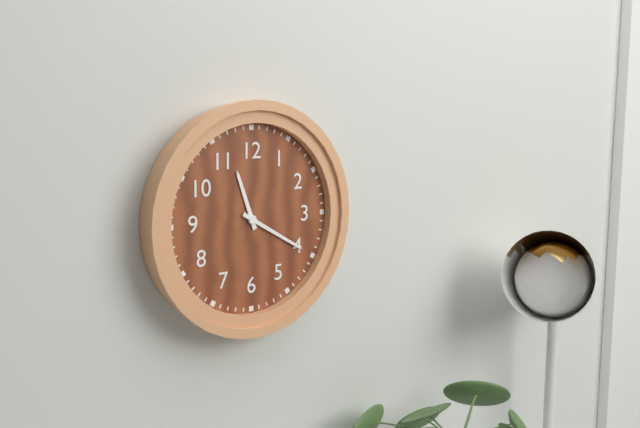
11:20
